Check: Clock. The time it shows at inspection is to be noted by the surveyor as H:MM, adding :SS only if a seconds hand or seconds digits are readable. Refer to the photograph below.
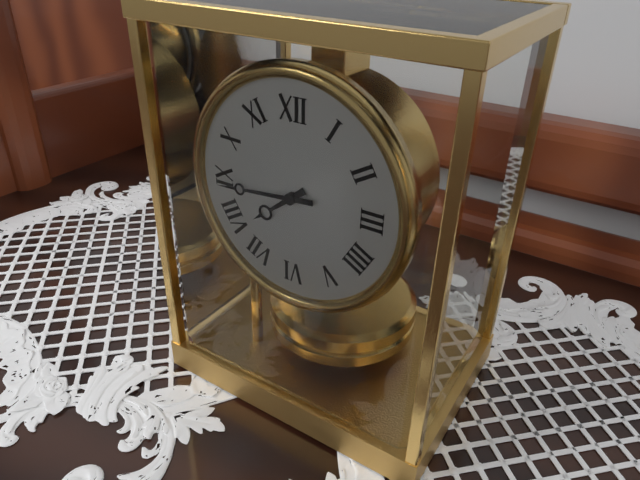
7:44
